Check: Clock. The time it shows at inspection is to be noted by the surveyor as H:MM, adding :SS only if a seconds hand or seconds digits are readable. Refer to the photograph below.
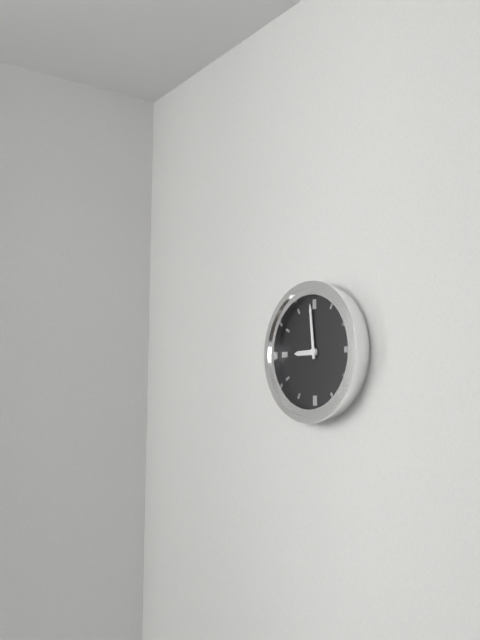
8:59
